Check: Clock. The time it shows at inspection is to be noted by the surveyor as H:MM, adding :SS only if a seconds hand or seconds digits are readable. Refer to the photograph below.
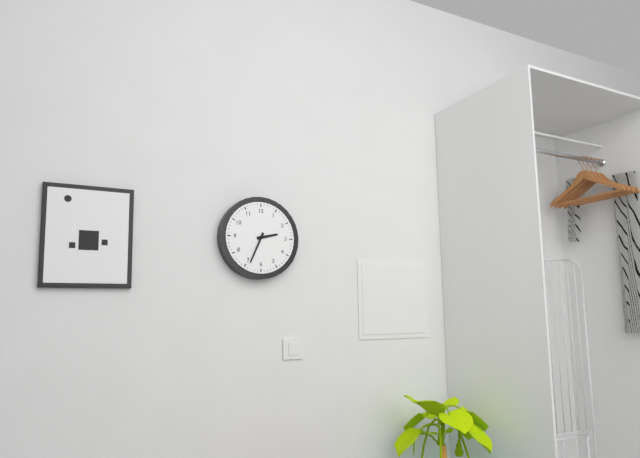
2:34
